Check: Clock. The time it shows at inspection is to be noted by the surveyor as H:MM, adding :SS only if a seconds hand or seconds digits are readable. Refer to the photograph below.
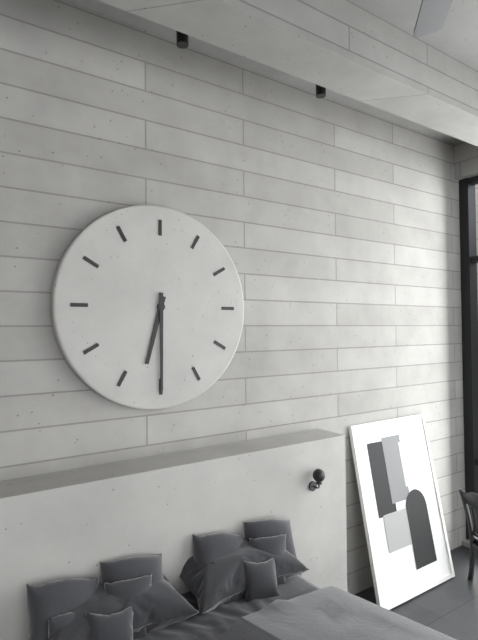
6:30
